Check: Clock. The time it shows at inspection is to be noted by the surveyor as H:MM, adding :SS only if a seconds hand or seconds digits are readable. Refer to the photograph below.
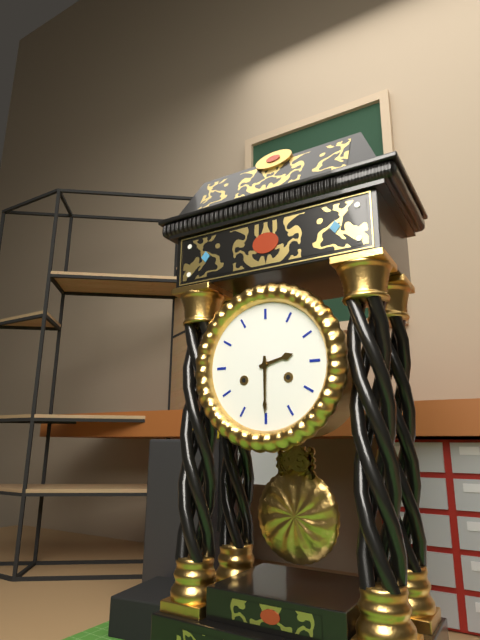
2:30
